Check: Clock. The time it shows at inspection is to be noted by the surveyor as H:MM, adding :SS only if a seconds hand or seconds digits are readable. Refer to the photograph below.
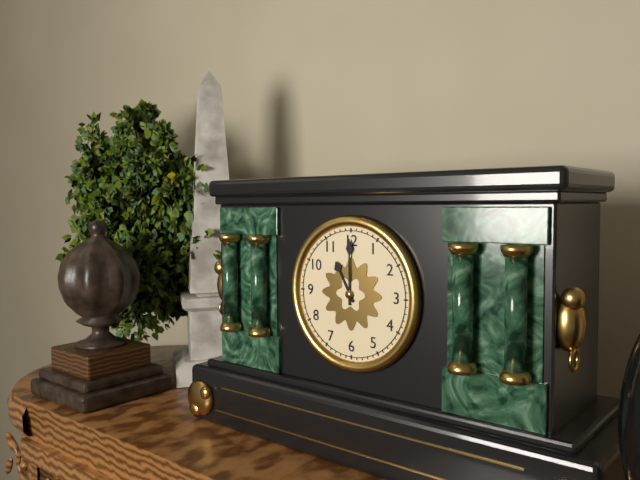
11:00
